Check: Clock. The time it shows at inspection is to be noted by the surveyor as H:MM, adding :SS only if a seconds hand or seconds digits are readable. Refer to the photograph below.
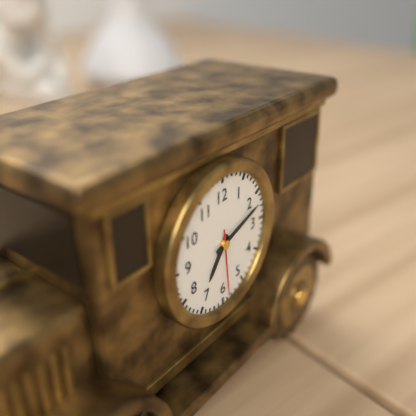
7:12:29
